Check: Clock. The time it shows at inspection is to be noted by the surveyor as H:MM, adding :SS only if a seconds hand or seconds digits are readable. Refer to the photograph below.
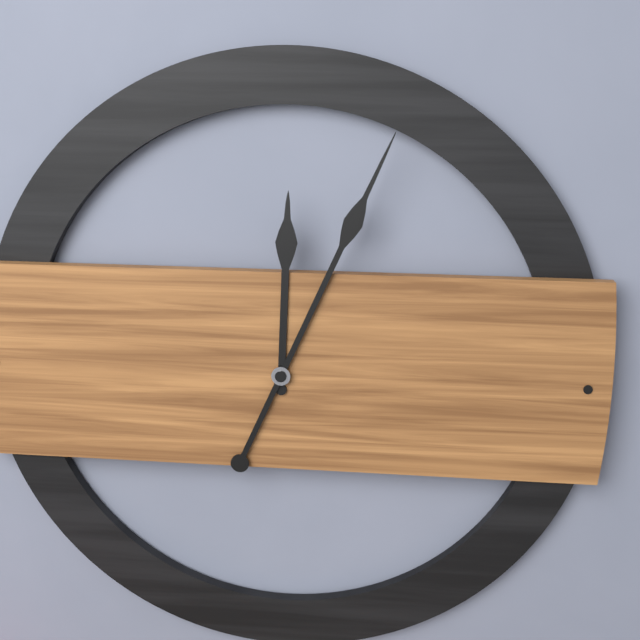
12:04
